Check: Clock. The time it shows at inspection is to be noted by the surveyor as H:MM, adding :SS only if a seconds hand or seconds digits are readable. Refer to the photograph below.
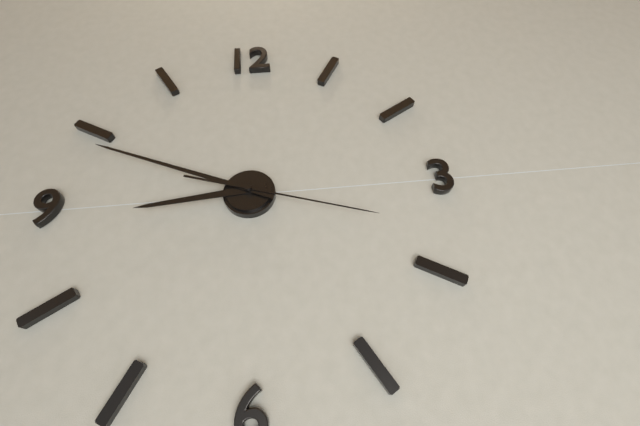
8:49:18
